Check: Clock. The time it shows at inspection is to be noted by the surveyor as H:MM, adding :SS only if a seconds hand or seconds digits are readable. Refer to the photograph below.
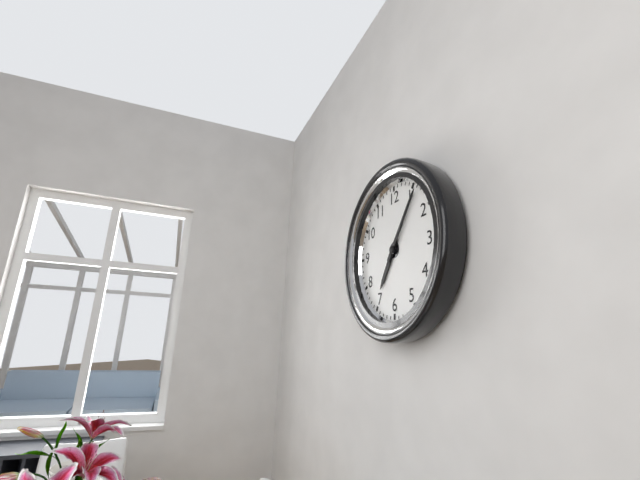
7:06
